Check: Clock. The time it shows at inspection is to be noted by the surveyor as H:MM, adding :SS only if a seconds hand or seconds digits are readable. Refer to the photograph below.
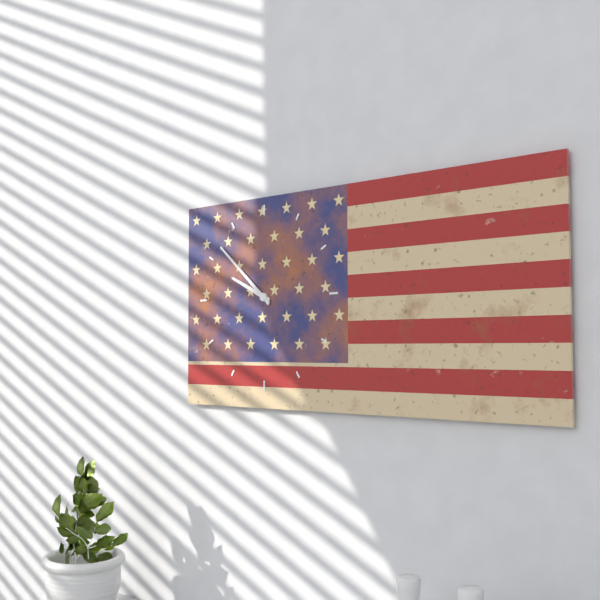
9:52
